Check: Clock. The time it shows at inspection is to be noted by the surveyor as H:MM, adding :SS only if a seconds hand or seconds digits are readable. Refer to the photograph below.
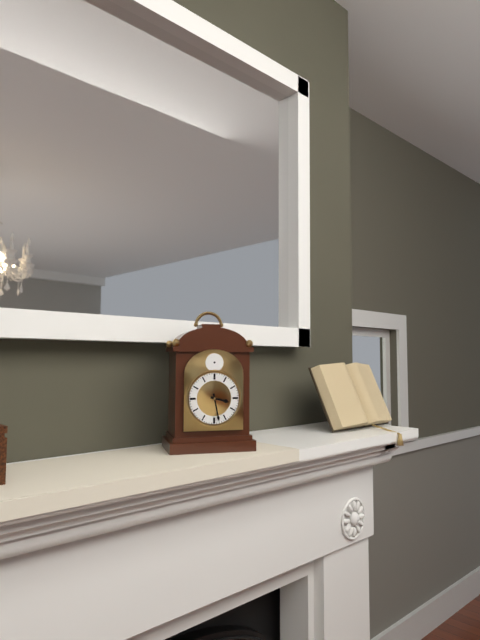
3:28
